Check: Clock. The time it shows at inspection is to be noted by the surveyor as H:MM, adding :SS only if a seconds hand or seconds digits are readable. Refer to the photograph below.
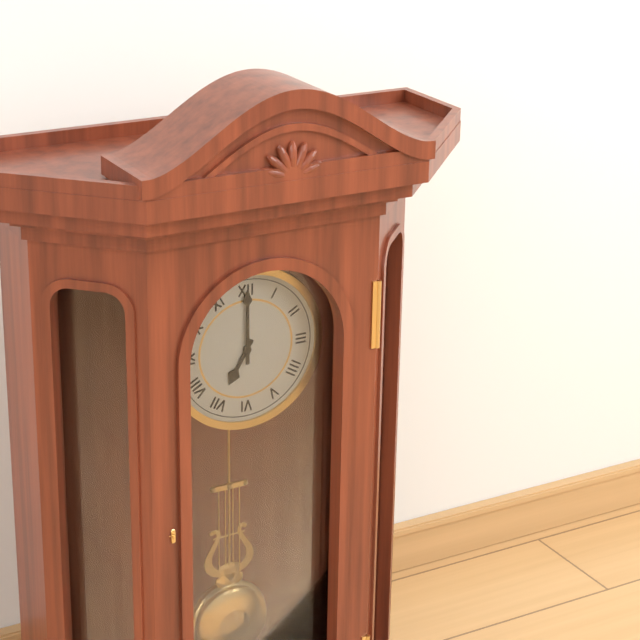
7:00
